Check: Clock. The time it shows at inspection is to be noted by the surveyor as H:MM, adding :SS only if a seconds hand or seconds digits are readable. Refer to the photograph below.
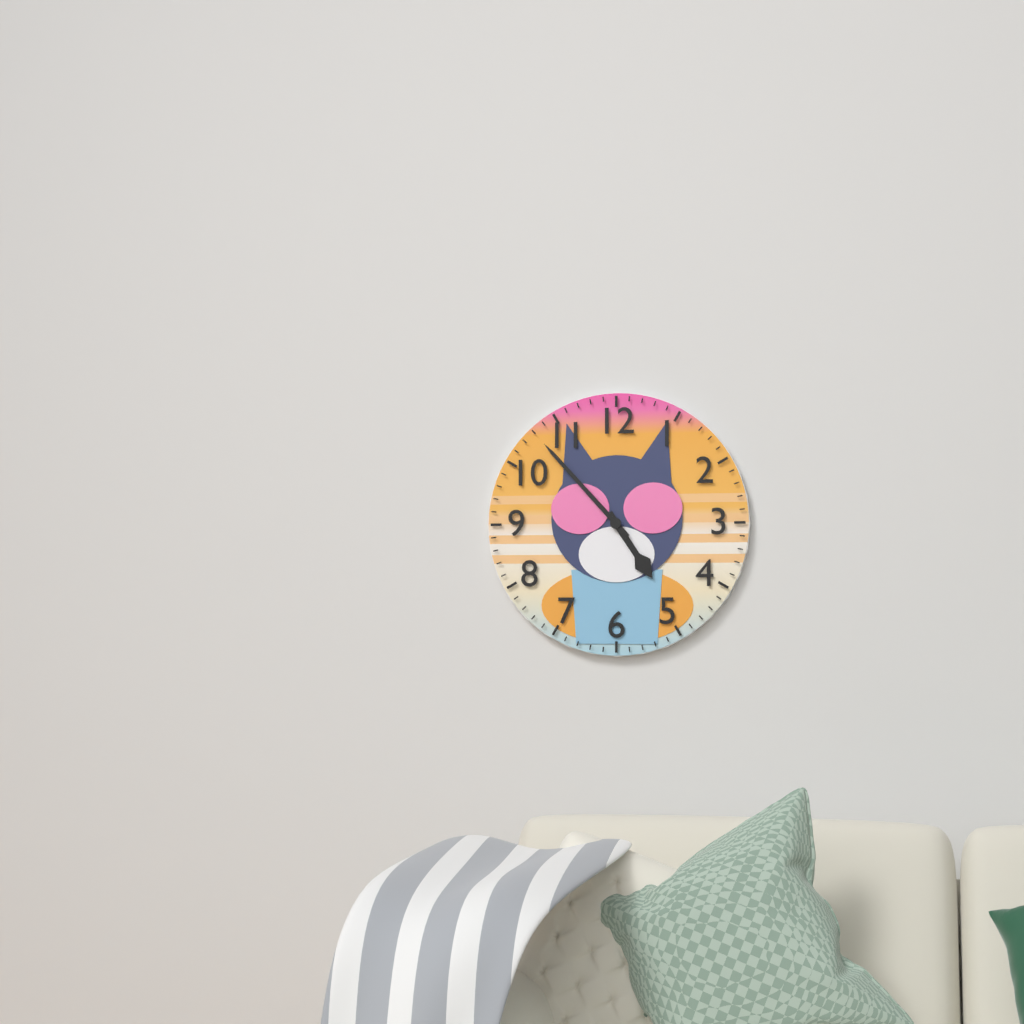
4:53
